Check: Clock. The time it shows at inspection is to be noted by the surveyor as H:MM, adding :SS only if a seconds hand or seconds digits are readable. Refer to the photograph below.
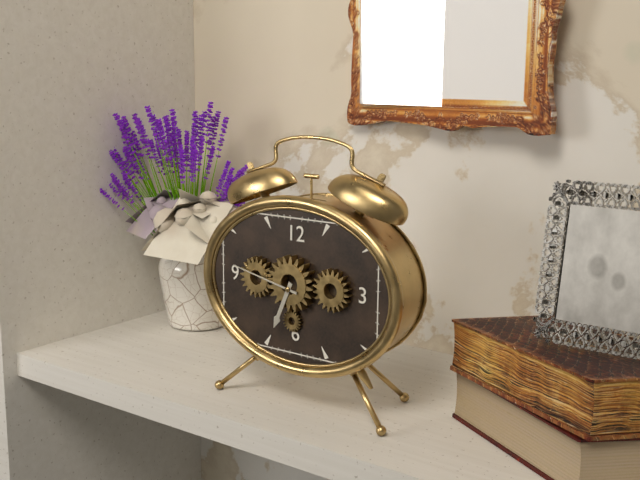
6:47
